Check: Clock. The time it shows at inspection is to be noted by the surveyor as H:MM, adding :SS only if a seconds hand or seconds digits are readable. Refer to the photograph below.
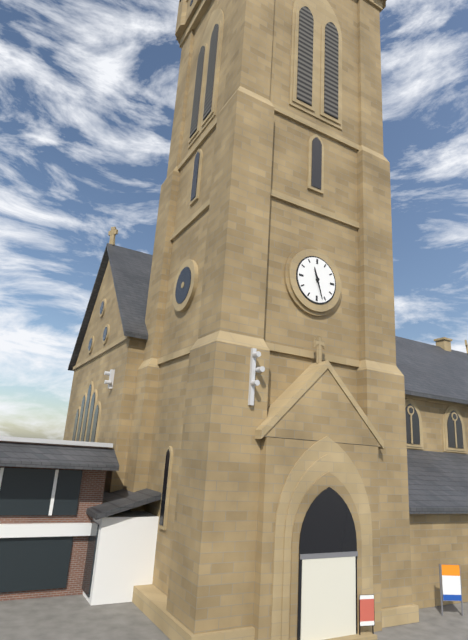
11:27
